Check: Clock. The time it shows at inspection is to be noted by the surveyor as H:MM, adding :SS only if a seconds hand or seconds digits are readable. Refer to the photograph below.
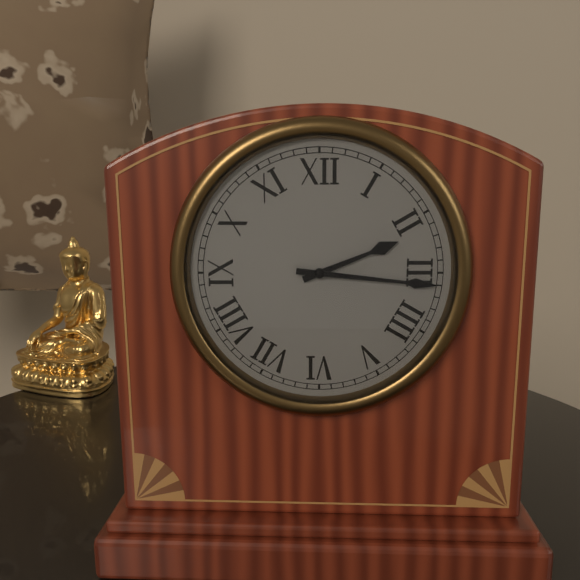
2:16
